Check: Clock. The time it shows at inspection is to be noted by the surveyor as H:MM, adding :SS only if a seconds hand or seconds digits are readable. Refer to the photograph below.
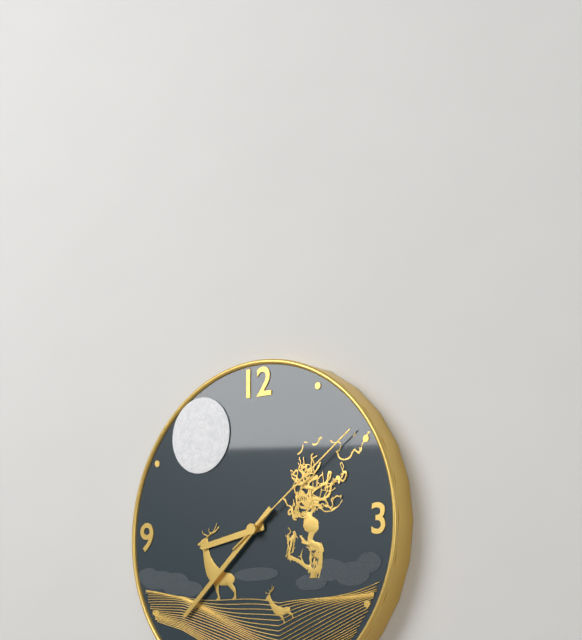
8:38:09
